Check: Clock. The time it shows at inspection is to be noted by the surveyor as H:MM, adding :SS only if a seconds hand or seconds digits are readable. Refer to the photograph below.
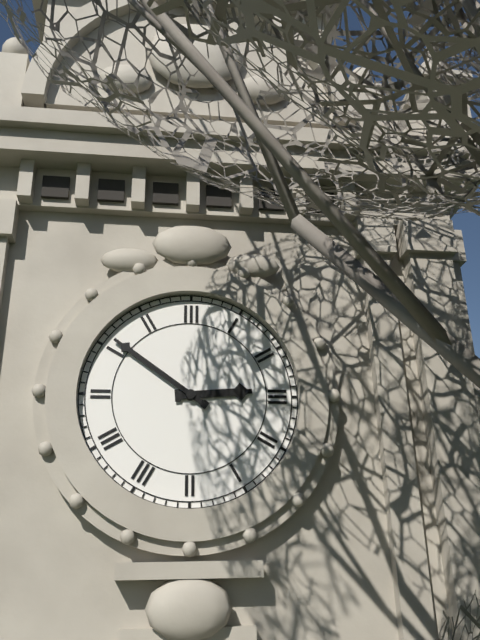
2:51
